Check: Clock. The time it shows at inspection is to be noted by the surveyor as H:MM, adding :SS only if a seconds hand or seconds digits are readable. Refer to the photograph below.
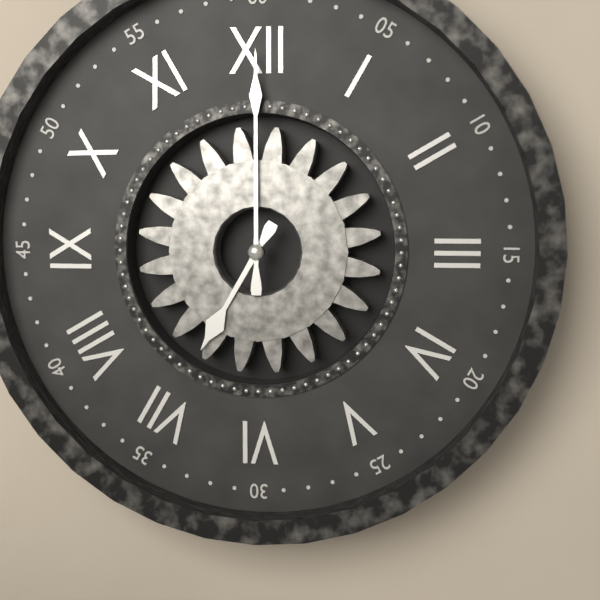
7:00
